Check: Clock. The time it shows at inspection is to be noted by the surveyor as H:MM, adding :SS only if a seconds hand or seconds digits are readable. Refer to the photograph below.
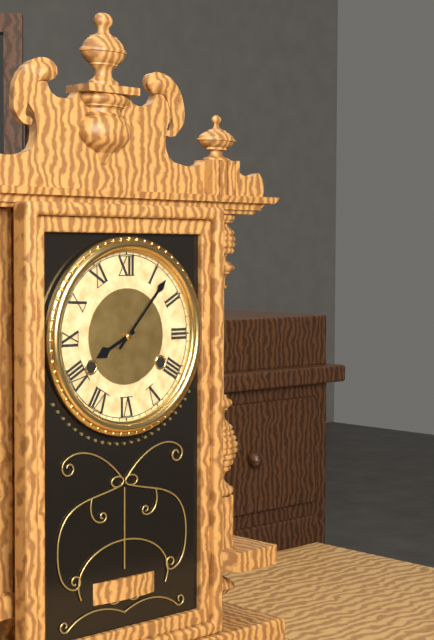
8:07
